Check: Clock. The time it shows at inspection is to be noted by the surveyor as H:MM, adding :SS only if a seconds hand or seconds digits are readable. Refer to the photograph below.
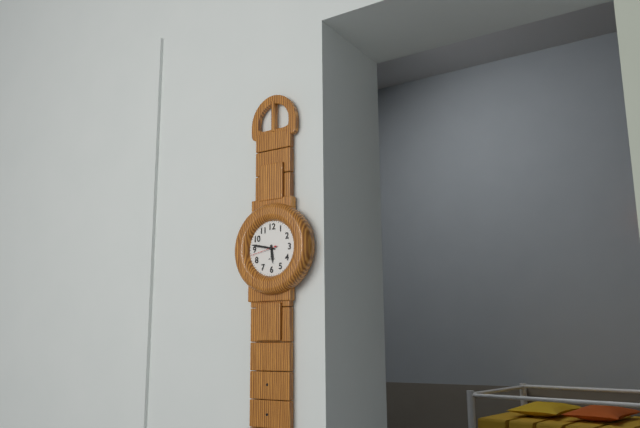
5:47
